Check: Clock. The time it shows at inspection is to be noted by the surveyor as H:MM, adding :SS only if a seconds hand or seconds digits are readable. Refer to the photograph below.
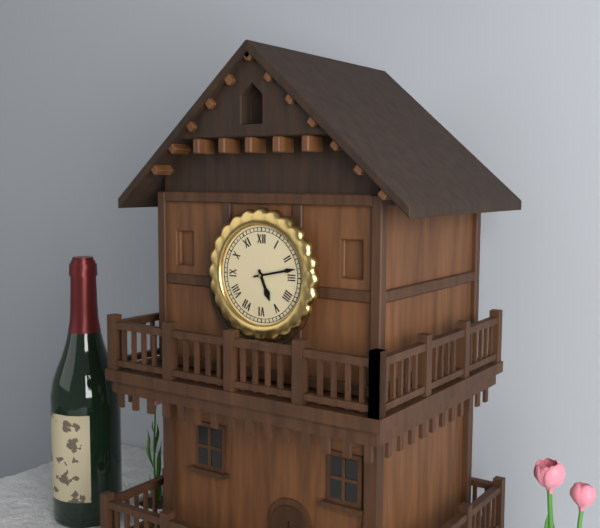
5:13
